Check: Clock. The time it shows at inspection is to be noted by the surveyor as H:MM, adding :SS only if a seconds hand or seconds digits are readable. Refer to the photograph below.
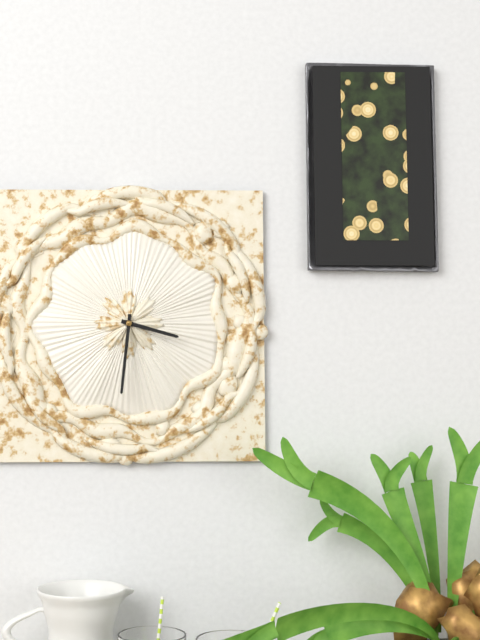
3:31
